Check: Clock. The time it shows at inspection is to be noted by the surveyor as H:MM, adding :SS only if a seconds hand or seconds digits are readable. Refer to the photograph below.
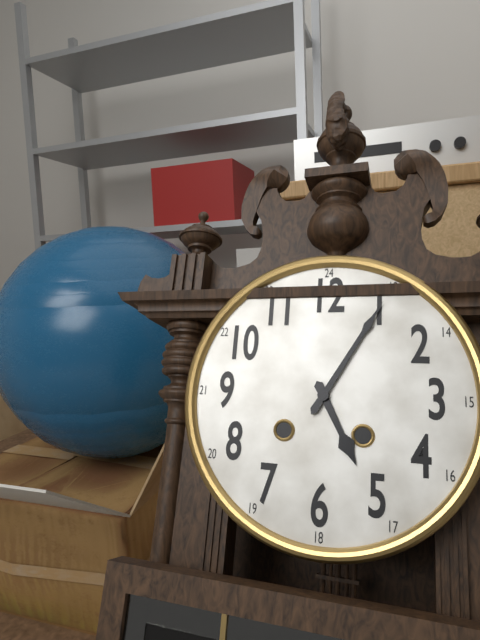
5:05
